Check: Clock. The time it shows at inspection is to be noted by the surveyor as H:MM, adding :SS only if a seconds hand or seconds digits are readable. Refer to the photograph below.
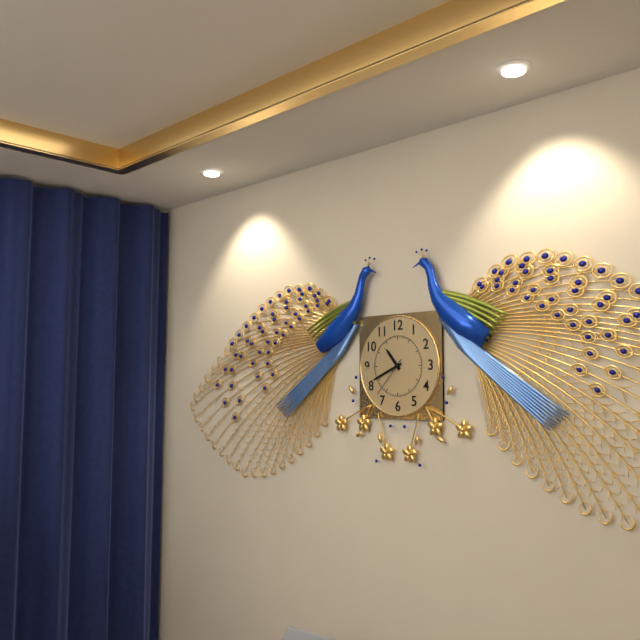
10:41
